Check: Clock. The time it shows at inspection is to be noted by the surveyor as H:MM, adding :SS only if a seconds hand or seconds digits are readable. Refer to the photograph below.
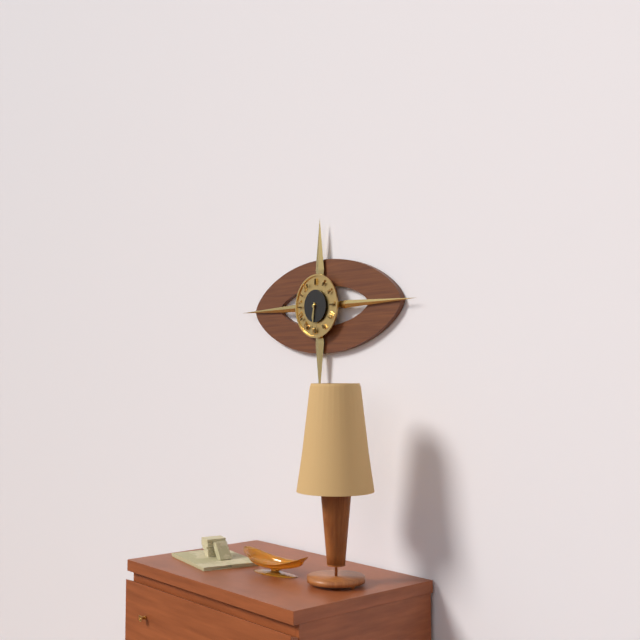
6:31
